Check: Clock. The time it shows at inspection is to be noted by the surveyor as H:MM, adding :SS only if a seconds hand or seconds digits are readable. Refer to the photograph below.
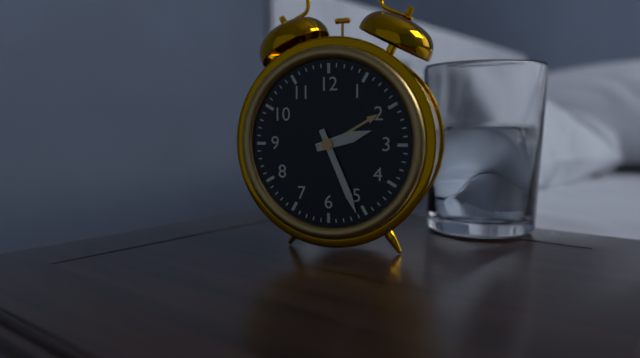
2:26
